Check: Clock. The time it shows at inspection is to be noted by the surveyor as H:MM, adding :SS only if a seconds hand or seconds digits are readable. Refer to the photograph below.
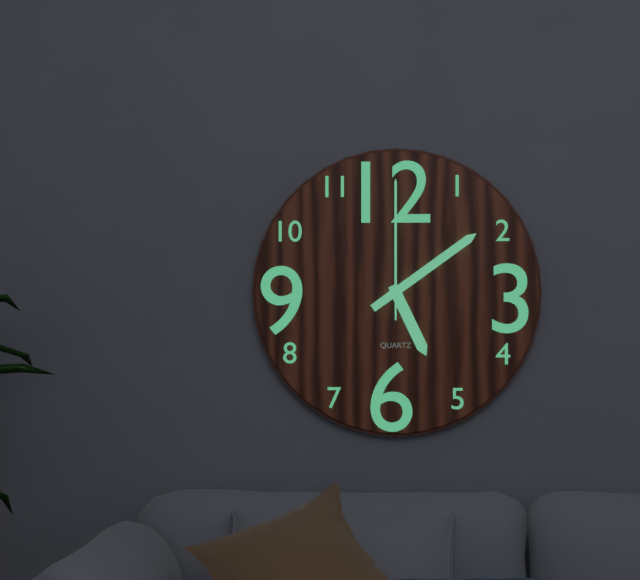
5:09:00
